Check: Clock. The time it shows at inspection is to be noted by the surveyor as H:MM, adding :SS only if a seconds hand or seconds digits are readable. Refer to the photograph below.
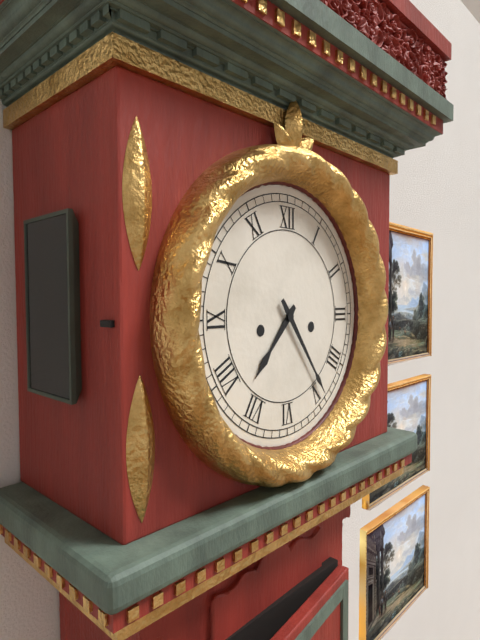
7:24
